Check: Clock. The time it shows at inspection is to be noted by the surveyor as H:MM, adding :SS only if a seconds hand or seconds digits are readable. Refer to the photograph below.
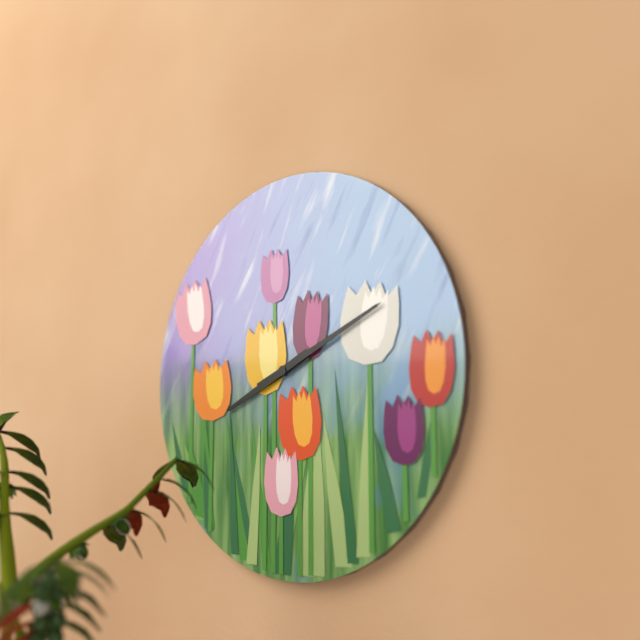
8:11
